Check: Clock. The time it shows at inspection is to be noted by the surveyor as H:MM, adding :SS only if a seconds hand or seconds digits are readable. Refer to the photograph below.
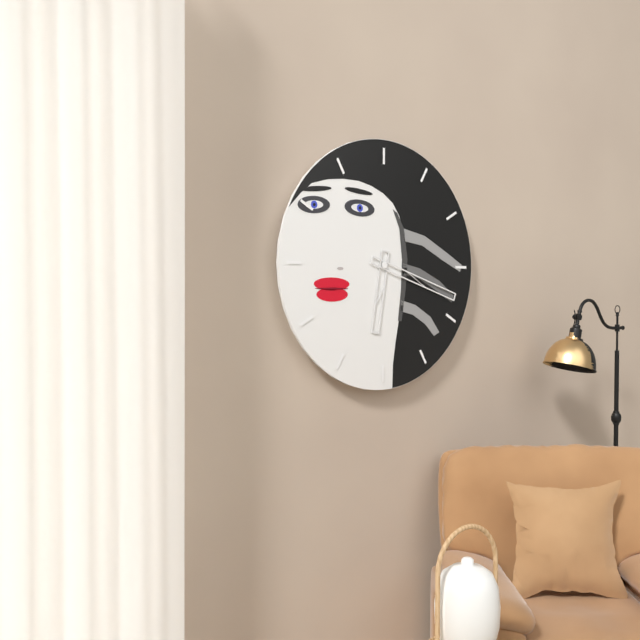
6:18
